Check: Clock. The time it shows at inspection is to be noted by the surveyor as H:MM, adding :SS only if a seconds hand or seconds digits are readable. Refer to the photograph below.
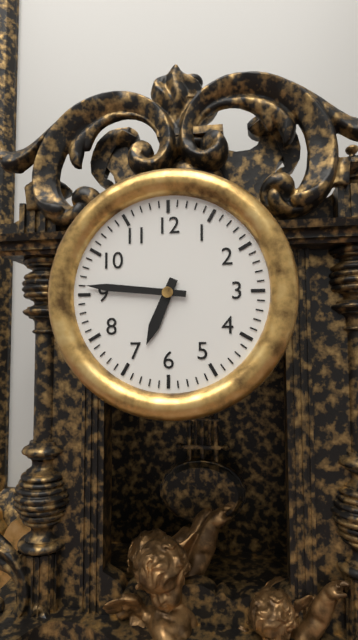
6:46
